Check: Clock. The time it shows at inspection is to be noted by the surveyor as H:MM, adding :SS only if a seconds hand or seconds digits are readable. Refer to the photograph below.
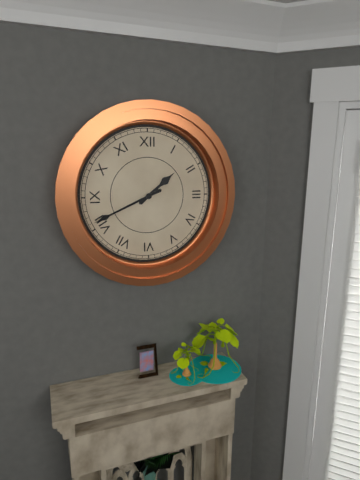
1:41
